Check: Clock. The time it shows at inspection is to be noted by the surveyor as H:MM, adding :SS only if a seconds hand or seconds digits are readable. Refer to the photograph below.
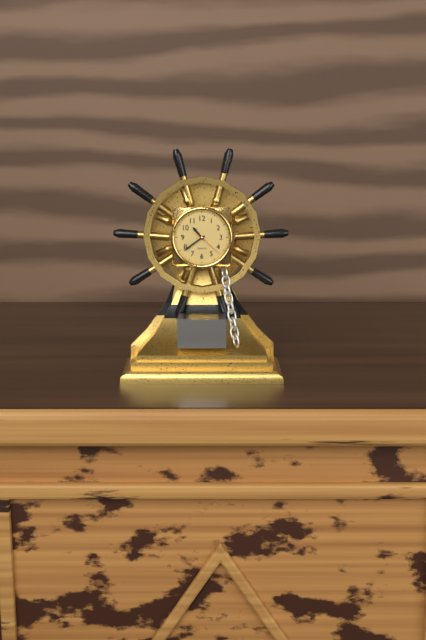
10:39
